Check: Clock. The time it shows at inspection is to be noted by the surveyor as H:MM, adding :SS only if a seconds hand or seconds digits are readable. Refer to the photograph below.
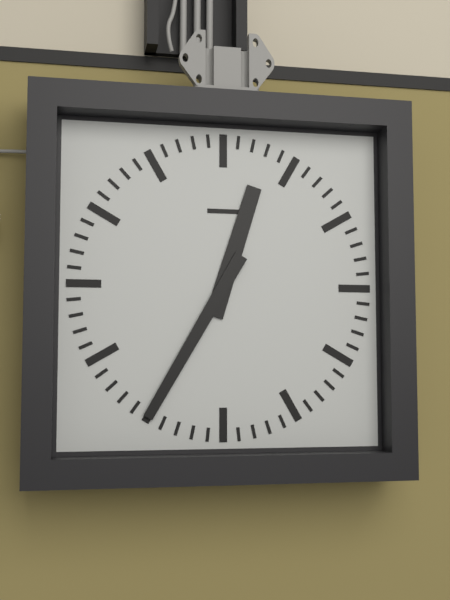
12:35
